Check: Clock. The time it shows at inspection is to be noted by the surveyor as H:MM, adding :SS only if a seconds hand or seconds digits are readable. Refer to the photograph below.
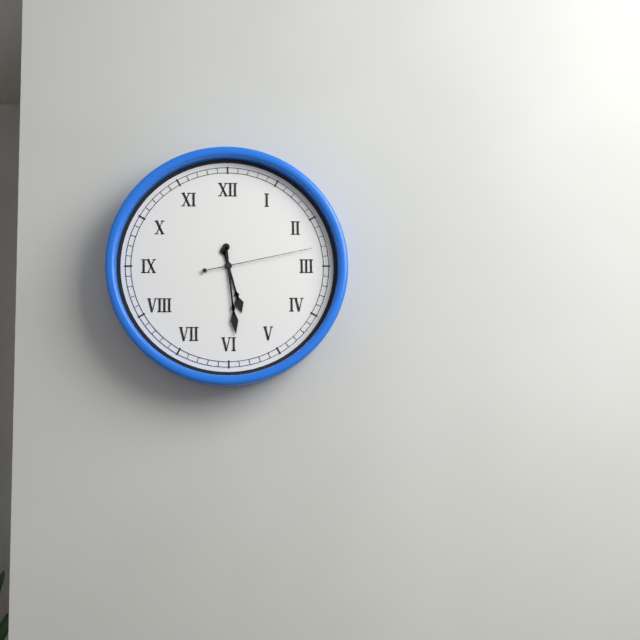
5:29:13
